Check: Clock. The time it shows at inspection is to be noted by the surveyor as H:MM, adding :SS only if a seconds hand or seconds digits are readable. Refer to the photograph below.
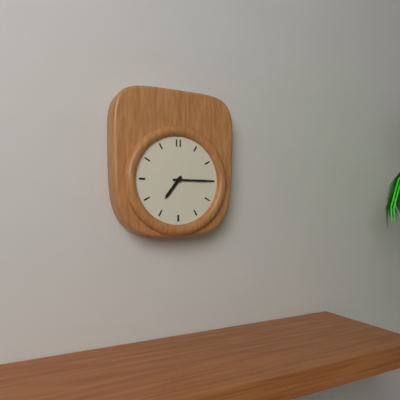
7:15
